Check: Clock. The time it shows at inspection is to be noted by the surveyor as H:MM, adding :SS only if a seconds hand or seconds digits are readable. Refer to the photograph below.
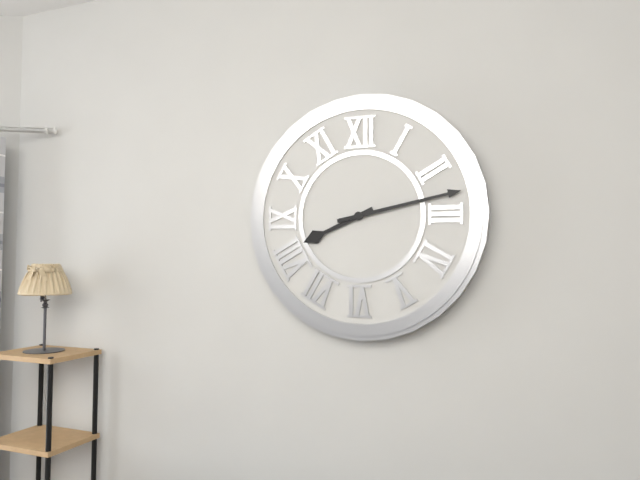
8:13
